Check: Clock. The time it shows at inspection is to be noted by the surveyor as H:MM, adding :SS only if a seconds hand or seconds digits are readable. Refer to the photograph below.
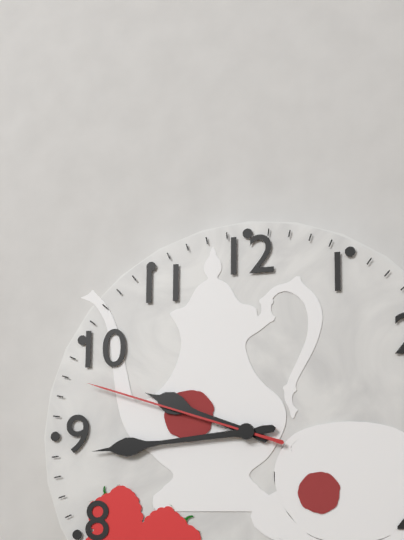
9:44:48
